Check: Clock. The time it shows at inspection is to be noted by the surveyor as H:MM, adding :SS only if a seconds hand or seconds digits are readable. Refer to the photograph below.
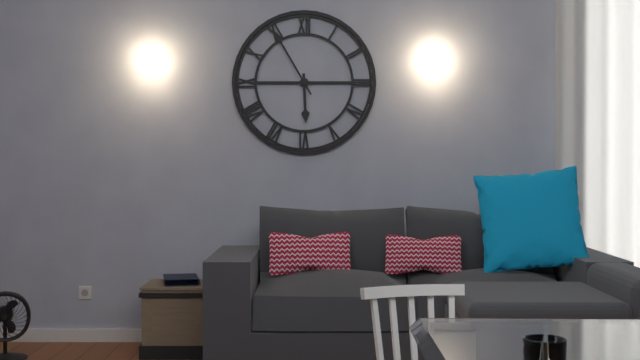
5:55
